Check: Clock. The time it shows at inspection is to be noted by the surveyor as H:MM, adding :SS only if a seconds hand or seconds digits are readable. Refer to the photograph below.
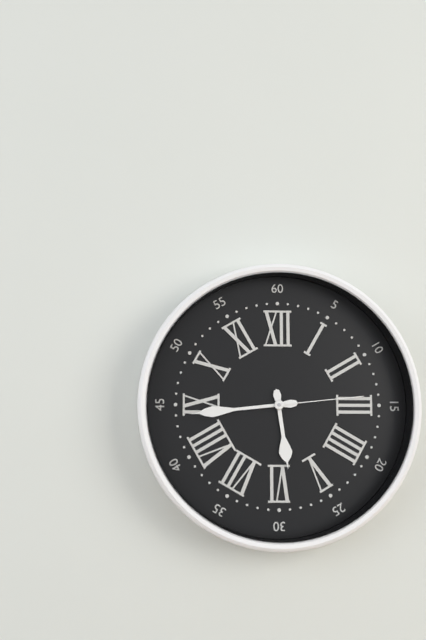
5:44:14
